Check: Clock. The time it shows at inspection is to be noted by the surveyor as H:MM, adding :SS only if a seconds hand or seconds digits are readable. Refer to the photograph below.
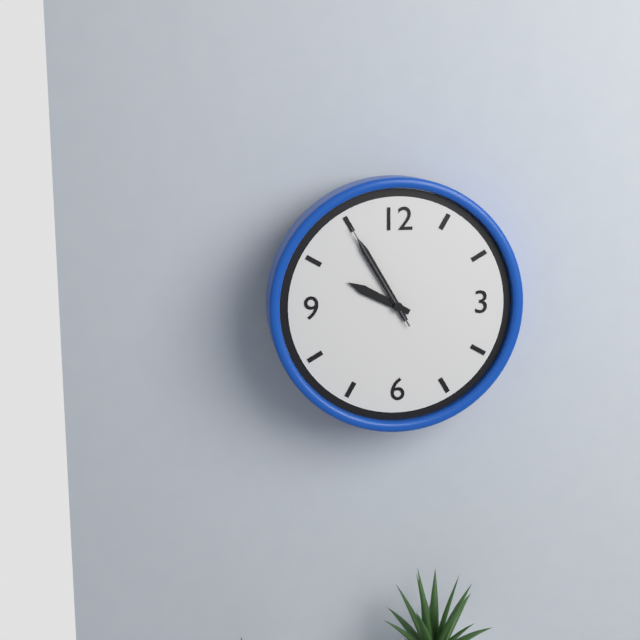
9:55:55
